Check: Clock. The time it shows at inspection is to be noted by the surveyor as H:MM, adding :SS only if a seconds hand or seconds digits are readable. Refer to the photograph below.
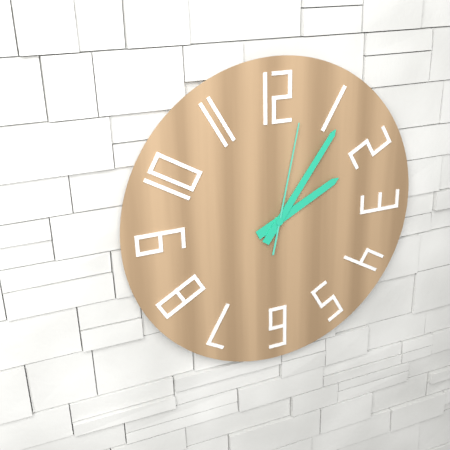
2:06:02
